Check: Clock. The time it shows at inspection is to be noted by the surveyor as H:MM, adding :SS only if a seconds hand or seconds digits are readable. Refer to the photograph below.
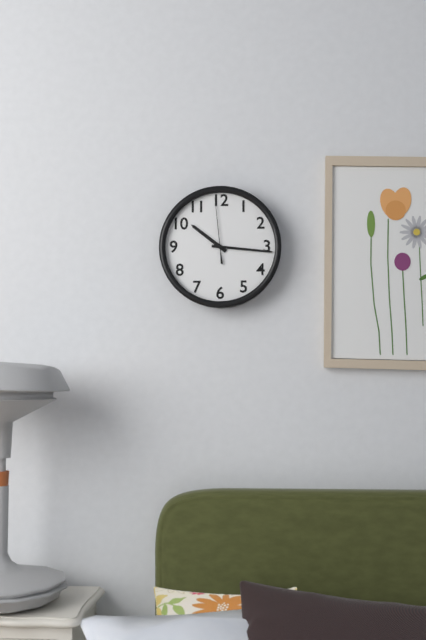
10:16:59
